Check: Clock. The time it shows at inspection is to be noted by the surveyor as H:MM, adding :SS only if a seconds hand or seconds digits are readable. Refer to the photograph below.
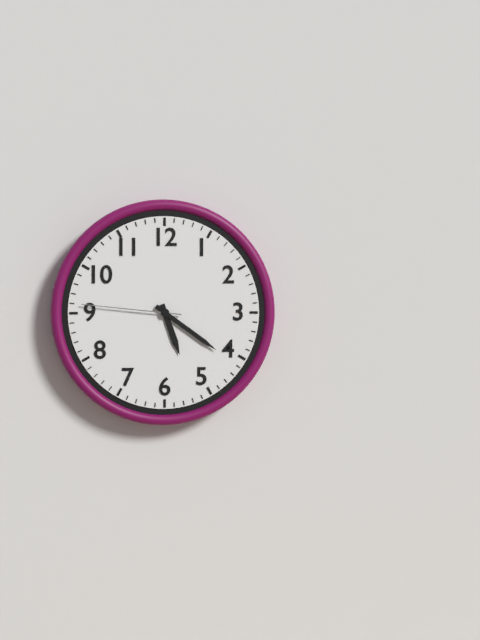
5:21:46
